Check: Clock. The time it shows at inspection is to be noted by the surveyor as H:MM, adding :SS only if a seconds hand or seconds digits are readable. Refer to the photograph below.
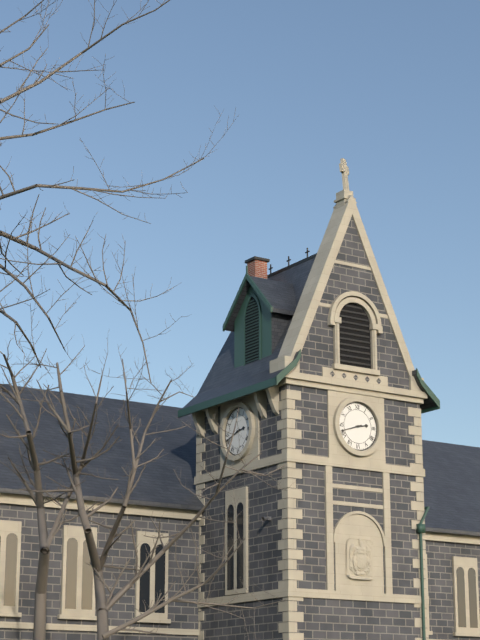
2:42
